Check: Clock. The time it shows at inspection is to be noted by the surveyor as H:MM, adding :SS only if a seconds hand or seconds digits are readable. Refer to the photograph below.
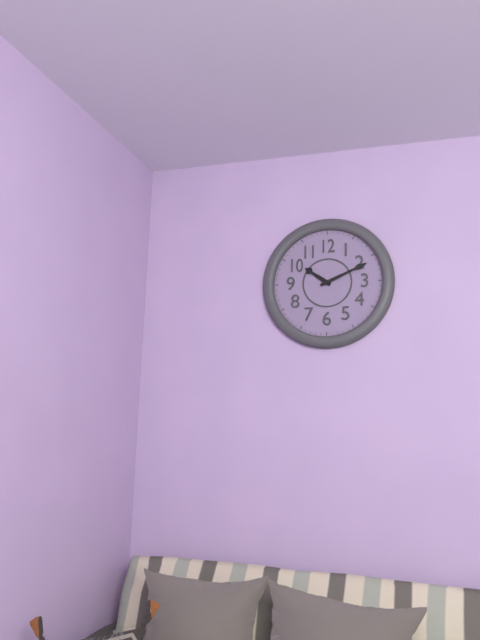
10:11
